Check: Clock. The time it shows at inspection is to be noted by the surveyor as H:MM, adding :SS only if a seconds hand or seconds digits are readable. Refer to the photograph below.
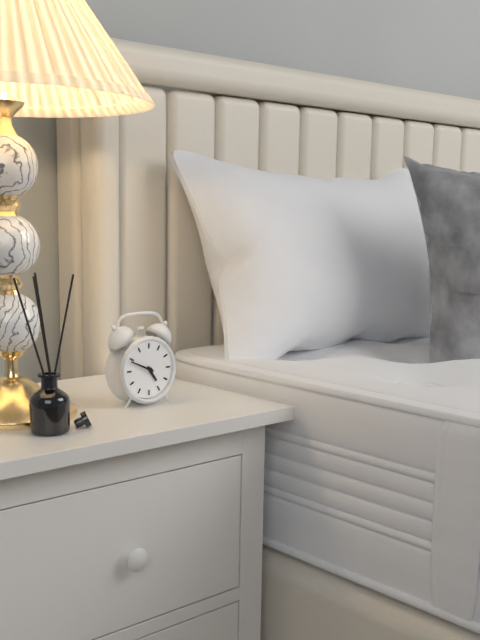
4:49
